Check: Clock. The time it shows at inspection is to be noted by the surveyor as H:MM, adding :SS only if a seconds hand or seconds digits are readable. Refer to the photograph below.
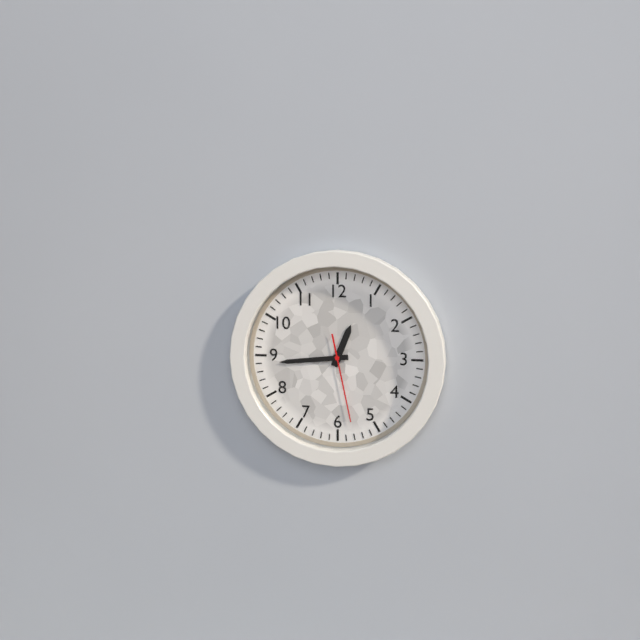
12:44:28
